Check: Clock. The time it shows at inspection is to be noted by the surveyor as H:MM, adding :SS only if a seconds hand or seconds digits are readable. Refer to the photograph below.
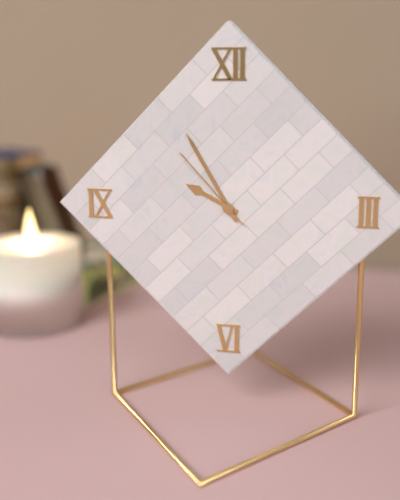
9:55:53
